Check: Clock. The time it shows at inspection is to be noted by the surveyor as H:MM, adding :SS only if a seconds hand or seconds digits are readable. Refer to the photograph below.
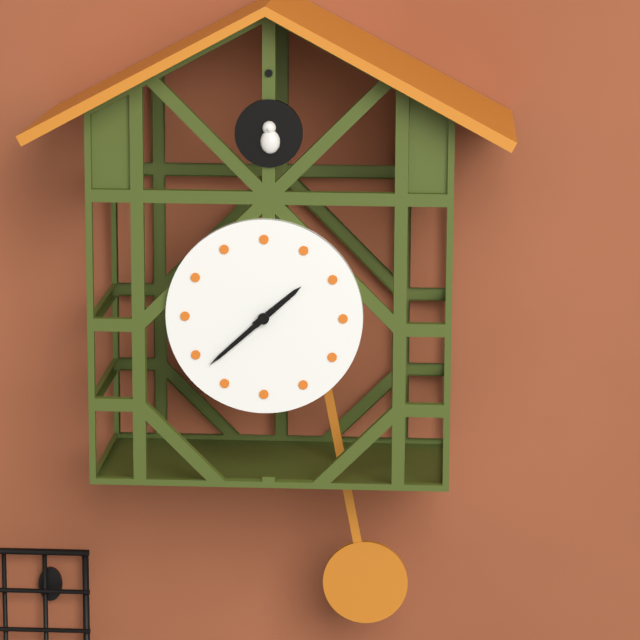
1:38
